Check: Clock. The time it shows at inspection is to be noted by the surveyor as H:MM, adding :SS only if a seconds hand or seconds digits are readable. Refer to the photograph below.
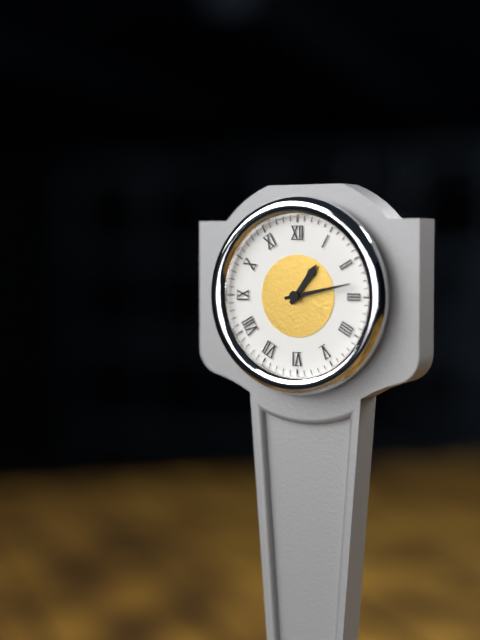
1:13
